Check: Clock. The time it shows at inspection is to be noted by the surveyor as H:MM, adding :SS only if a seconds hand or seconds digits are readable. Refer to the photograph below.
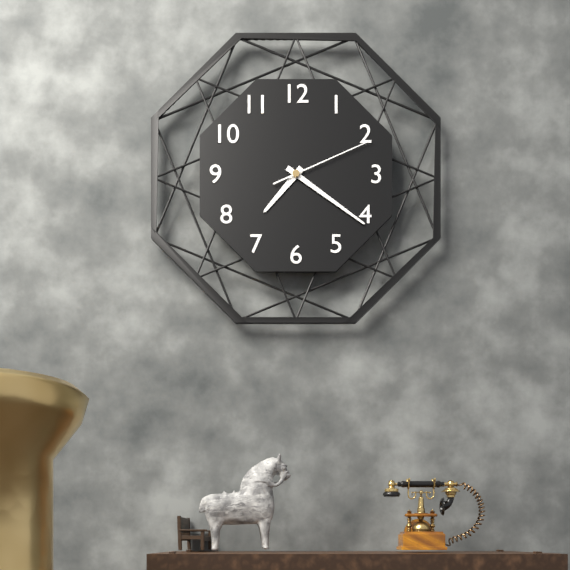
7:21:11
